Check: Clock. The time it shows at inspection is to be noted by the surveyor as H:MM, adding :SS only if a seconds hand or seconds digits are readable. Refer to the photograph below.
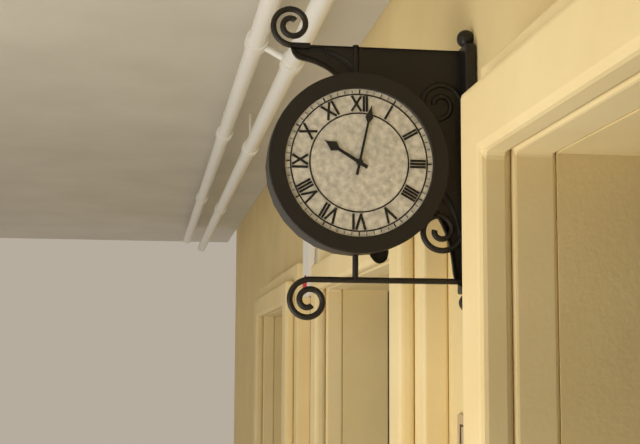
10:02
